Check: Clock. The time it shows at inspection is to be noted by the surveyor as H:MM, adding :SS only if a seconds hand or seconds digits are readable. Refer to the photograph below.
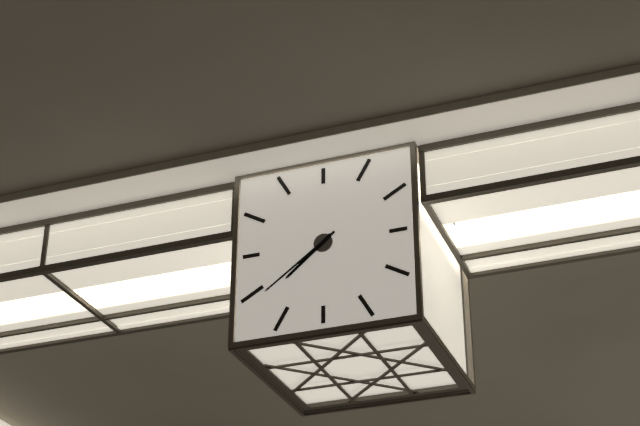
7:39
